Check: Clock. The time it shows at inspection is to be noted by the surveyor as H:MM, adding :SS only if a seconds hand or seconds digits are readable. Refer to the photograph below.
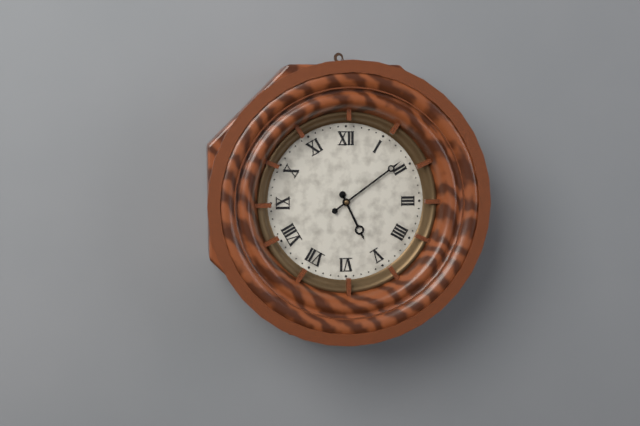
5:09
